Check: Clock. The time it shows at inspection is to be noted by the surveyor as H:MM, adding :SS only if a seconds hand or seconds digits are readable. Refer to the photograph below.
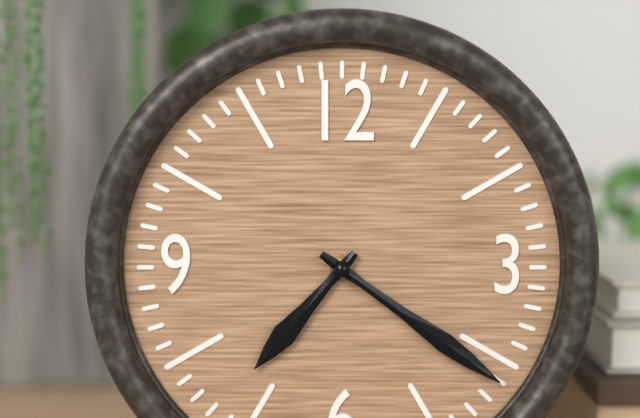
7:21
